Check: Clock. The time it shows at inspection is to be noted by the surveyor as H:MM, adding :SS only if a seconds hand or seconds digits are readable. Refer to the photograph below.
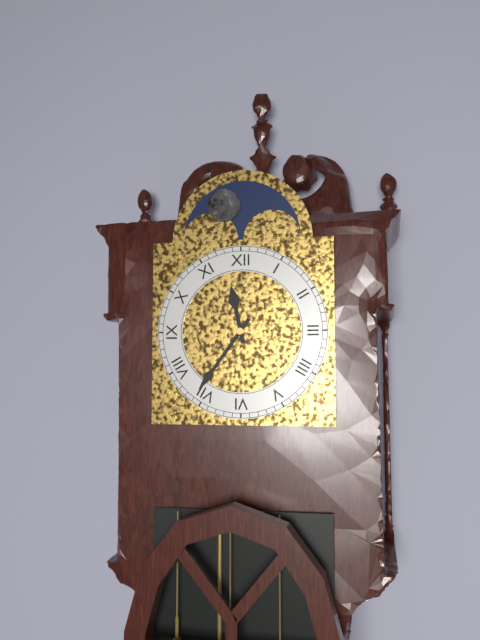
11:36
